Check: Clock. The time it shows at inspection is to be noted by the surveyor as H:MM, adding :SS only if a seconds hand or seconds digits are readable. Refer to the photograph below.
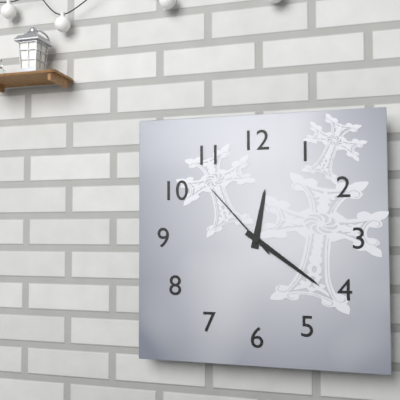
12:21:53
